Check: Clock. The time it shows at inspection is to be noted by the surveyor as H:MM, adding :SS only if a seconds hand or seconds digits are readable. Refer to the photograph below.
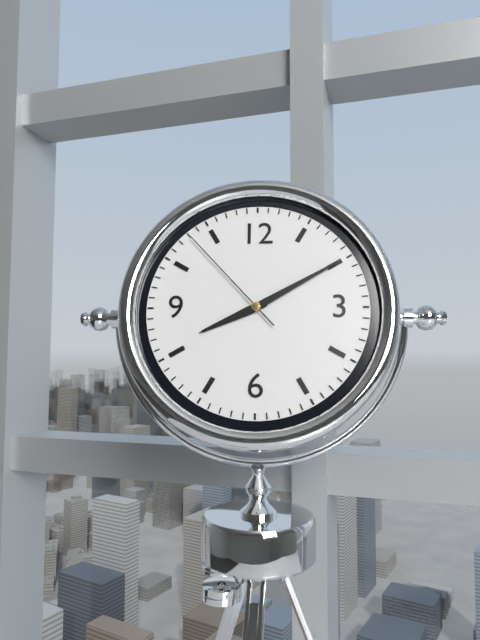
8:10:53
